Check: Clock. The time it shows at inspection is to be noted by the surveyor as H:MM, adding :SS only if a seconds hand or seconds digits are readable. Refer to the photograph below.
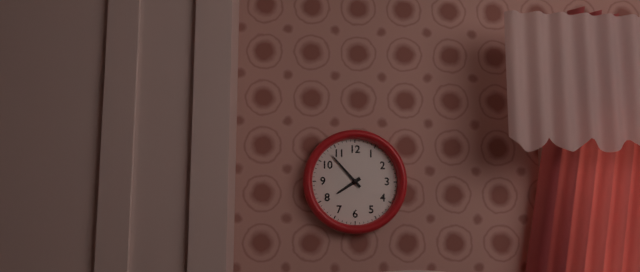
7:53
